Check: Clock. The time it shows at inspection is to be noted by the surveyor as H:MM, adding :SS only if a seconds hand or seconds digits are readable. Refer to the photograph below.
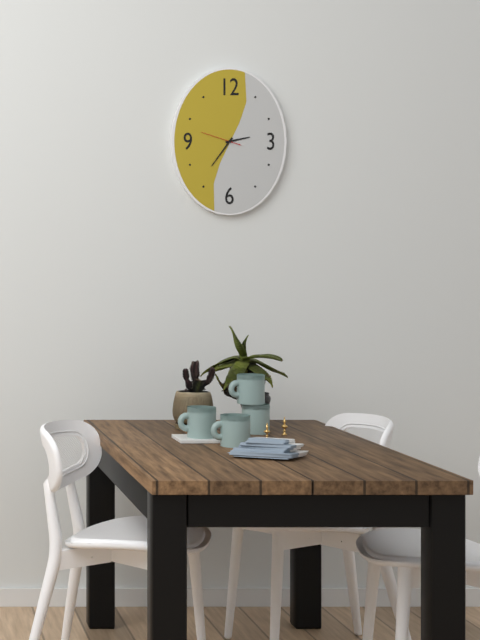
2:36
